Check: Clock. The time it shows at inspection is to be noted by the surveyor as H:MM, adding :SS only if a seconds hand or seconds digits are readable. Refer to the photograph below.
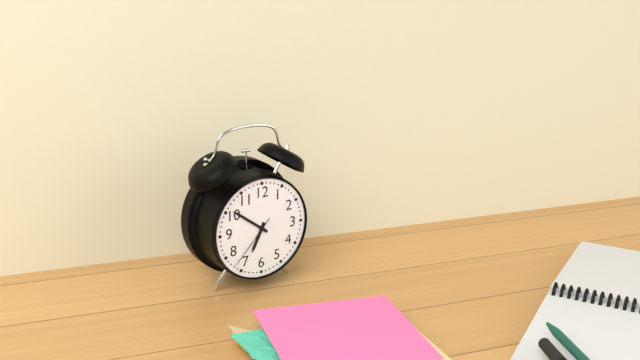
6:51:37
